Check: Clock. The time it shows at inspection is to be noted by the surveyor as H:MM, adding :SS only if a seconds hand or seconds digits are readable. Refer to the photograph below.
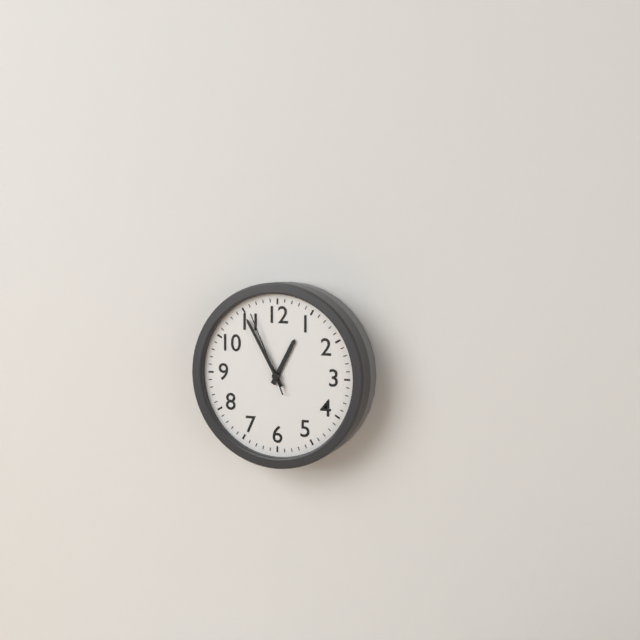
12:55:56
